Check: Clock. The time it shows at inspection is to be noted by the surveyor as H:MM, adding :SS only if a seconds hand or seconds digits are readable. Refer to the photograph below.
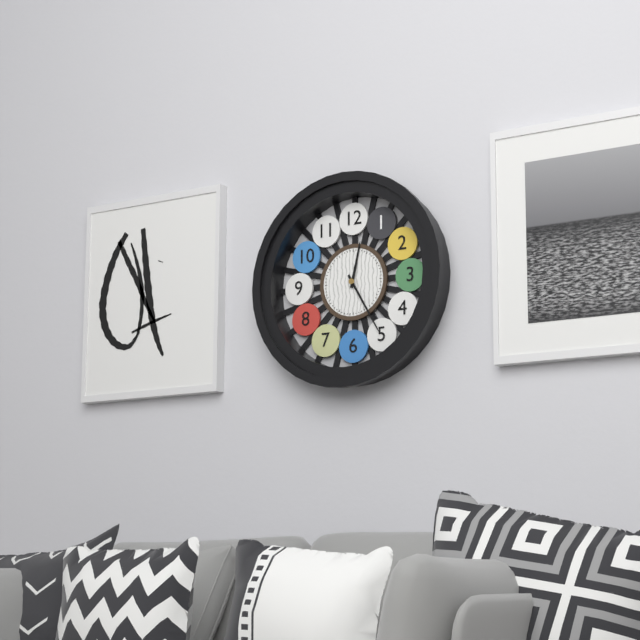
12:25
